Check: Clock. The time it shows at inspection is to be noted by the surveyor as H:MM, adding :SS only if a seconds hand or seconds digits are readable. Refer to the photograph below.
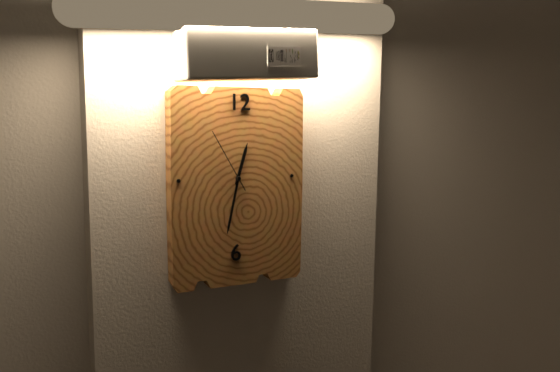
12:32:55
